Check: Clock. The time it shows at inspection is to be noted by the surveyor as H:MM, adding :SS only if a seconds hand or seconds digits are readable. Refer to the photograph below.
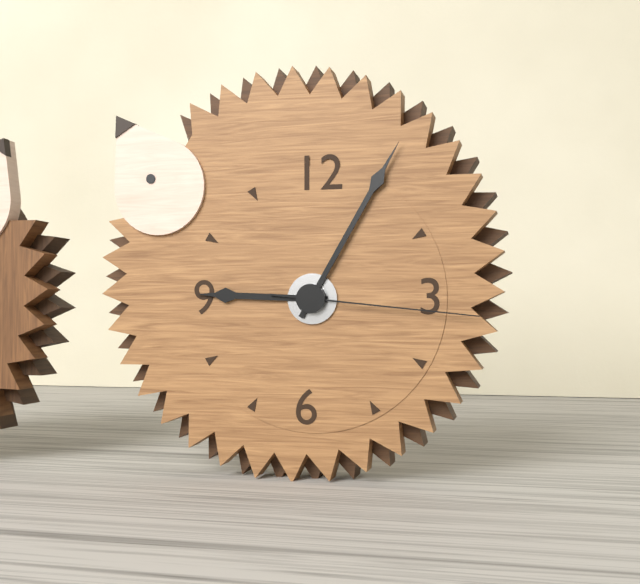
9:05:16
